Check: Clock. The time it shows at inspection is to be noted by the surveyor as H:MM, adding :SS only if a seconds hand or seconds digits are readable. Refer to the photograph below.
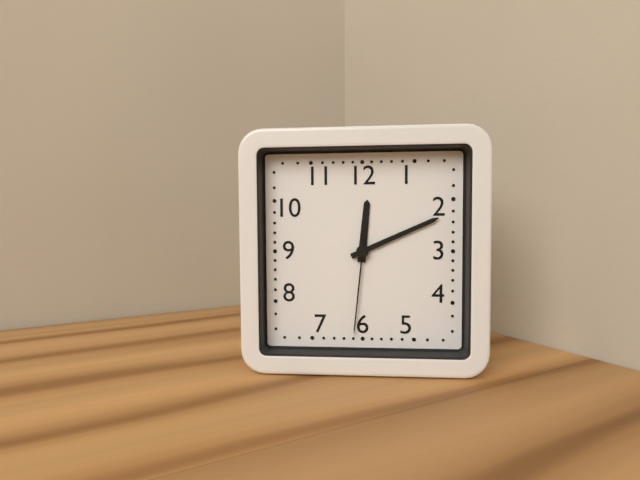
12:11:31
